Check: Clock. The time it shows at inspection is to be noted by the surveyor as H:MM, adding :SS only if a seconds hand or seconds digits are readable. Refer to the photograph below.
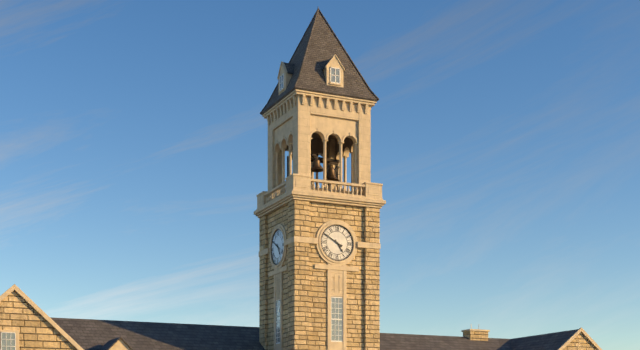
4:50
